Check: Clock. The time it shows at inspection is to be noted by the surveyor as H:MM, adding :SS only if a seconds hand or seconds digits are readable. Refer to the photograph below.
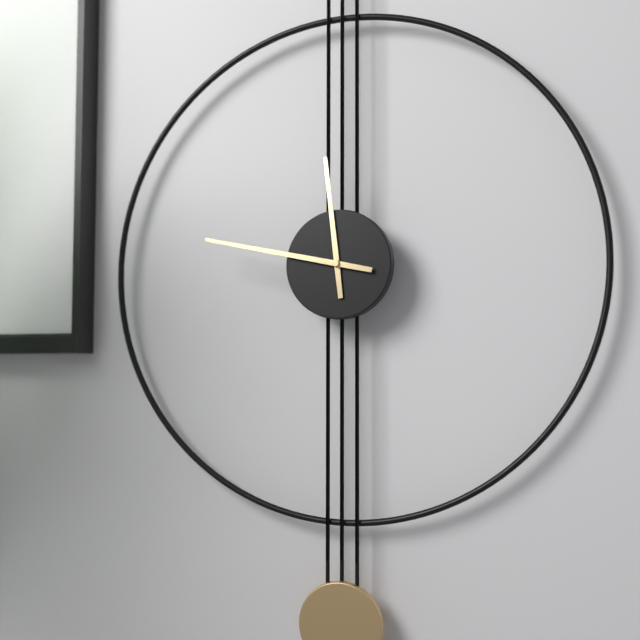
11:47
